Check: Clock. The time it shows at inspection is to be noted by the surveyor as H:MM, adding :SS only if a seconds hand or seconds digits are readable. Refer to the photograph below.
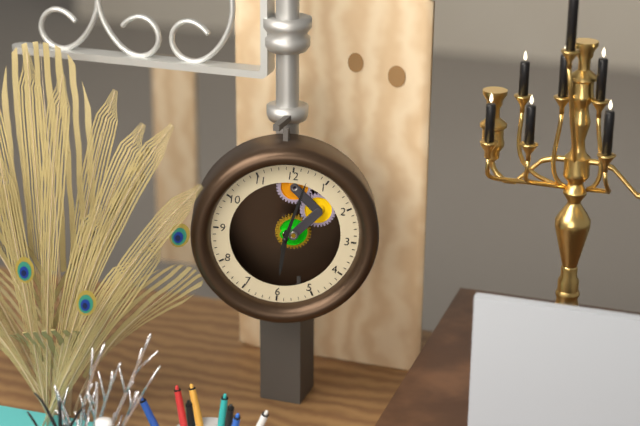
6:02
